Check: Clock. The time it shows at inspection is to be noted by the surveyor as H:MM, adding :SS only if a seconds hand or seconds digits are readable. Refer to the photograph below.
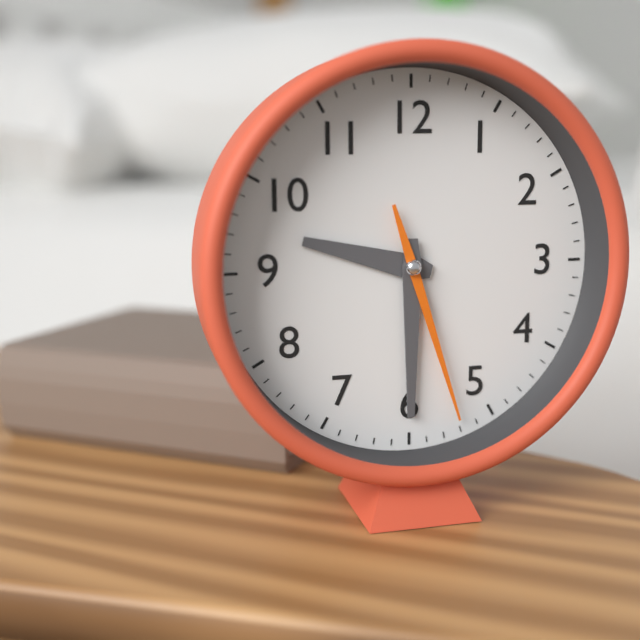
9:30:27
